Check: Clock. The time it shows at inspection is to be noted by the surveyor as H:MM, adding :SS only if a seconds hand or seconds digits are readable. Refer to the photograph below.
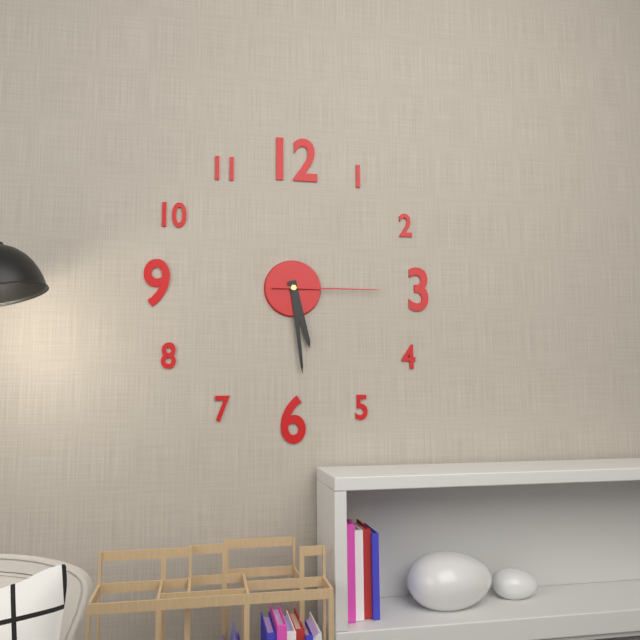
5:29:15
